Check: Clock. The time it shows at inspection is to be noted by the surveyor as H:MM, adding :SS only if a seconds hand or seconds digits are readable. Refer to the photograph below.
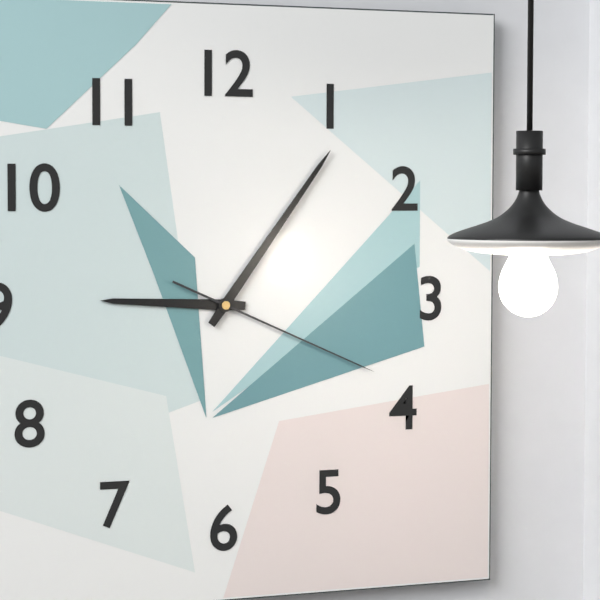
9:06:19
